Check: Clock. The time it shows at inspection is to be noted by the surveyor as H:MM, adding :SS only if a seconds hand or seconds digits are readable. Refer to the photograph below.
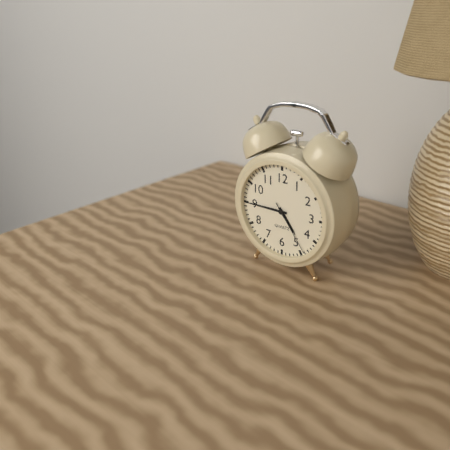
4:45:24
